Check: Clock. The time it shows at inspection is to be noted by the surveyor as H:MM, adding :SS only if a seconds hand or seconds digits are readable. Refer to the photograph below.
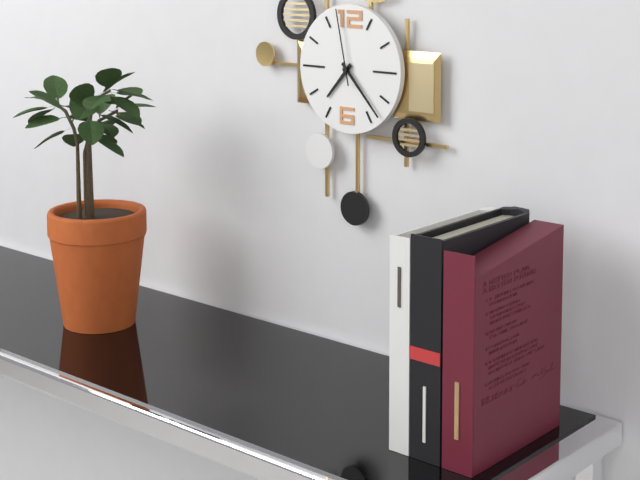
7:23:58
